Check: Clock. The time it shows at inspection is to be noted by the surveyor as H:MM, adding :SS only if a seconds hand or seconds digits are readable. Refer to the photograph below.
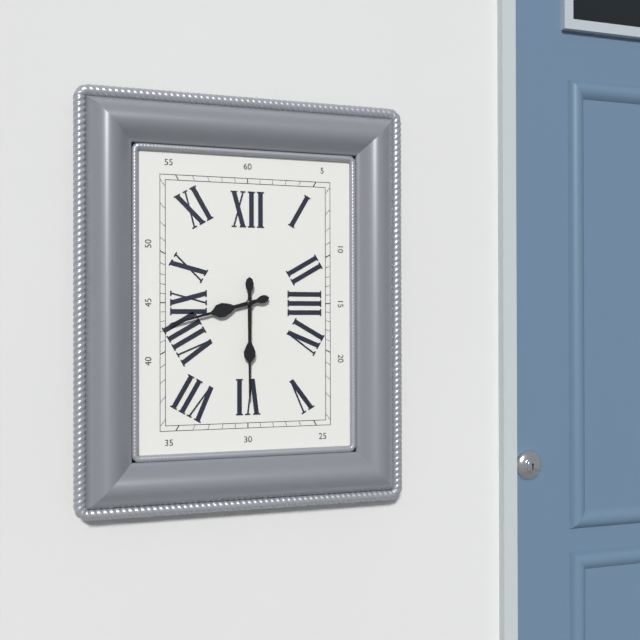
8:30
